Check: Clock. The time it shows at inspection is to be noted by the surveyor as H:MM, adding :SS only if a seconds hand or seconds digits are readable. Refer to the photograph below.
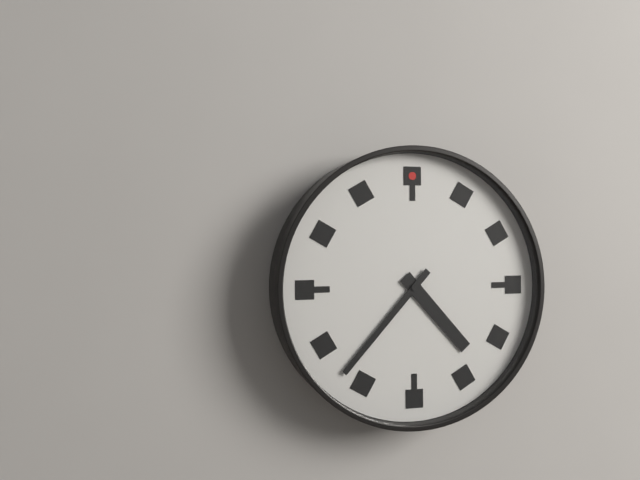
4:37
